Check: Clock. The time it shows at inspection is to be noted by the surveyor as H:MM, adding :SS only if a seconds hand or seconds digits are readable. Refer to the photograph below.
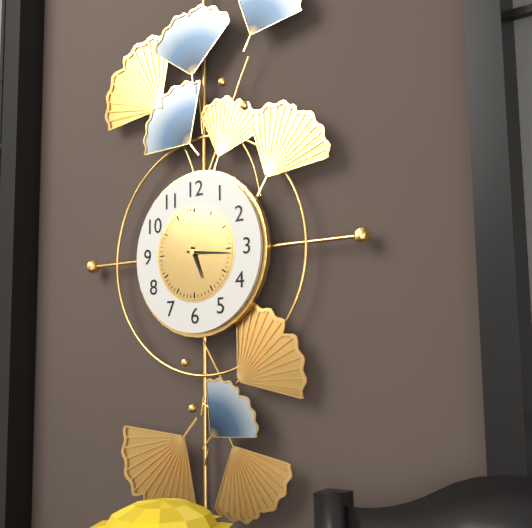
5:16
